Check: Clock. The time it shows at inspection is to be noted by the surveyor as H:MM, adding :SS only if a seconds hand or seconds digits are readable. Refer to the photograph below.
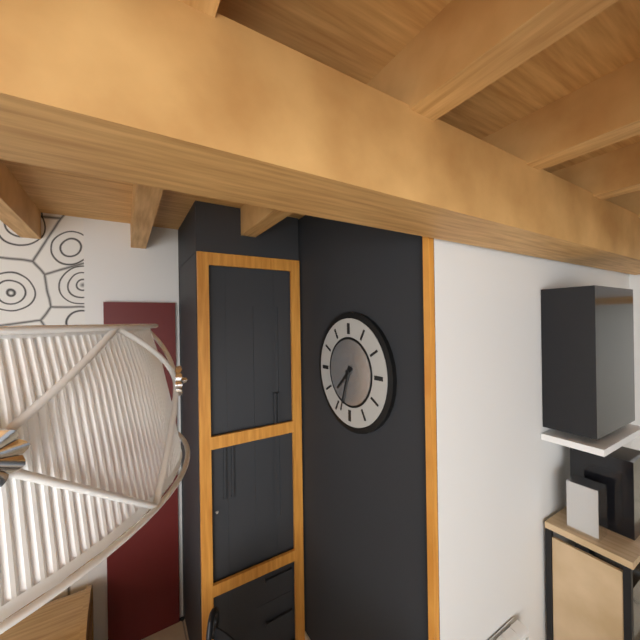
7:33
